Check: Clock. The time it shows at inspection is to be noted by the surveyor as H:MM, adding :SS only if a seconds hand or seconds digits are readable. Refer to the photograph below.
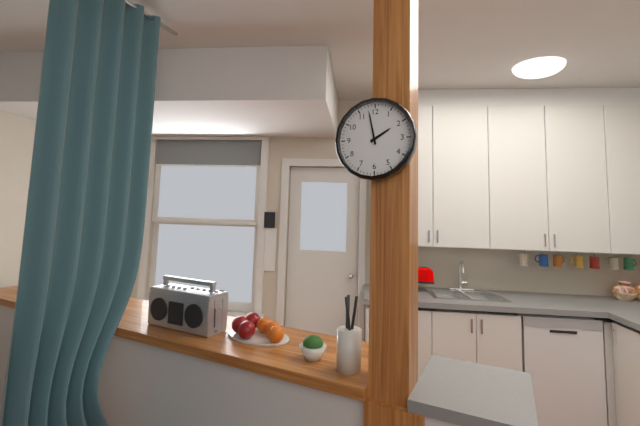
1:58
